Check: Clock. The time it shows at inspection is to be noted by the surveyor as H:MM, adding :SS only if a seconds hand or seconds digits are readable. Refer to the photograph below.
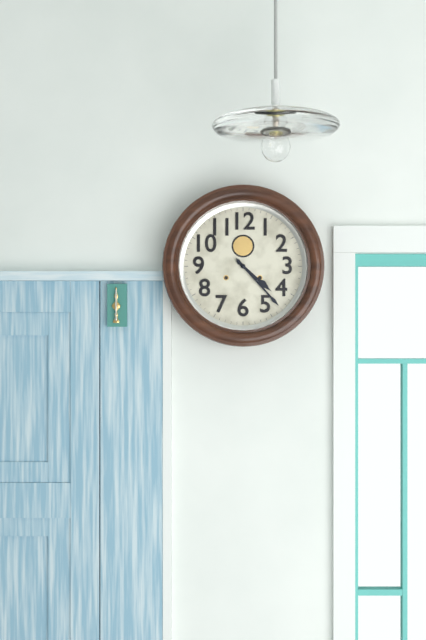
4:23
